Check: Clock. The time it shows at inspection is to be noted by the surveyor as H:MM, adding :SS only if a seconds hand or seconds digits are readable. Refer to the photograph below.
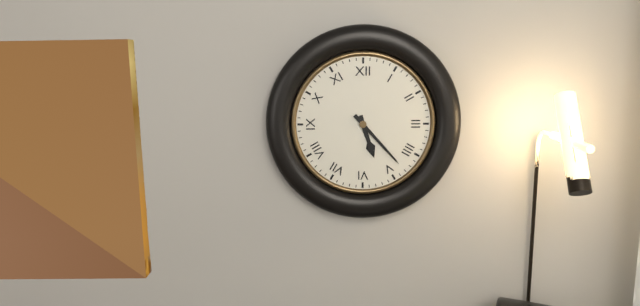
5:23
